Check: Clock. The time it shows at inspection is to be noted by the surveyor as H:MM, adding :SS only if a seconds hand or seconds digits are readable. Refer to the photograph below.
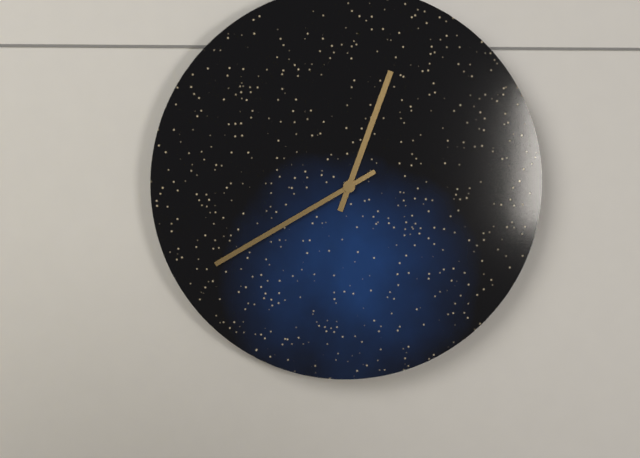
12:40
